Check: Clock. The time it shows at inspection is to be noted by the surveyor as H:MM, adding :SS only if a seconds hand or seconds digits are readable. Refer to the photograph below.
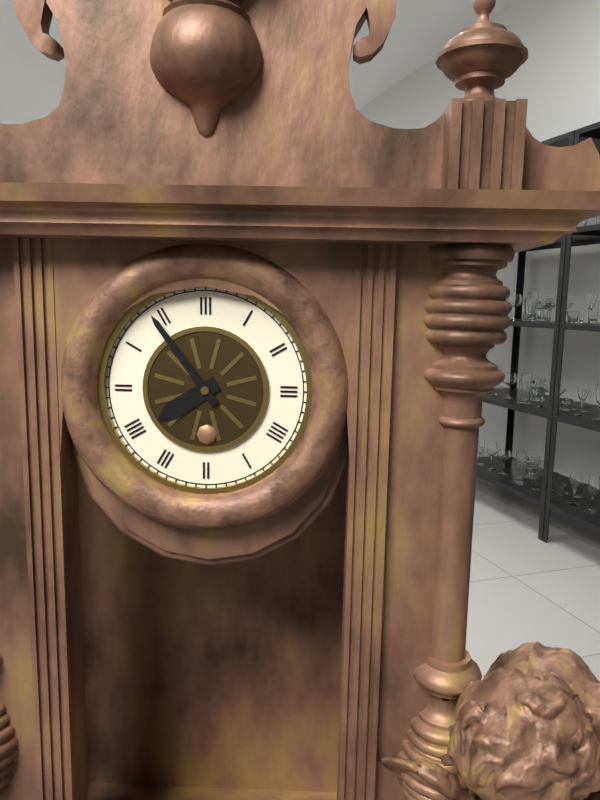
7:54
